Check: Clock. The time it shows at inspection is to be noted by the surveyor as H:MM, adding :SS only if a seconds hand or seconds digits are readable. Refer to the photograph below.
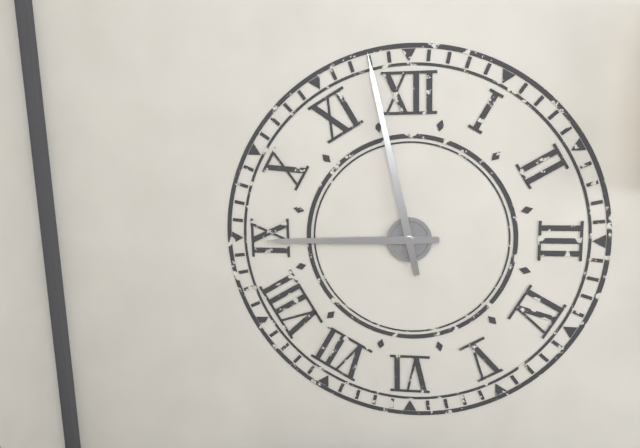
8:58
